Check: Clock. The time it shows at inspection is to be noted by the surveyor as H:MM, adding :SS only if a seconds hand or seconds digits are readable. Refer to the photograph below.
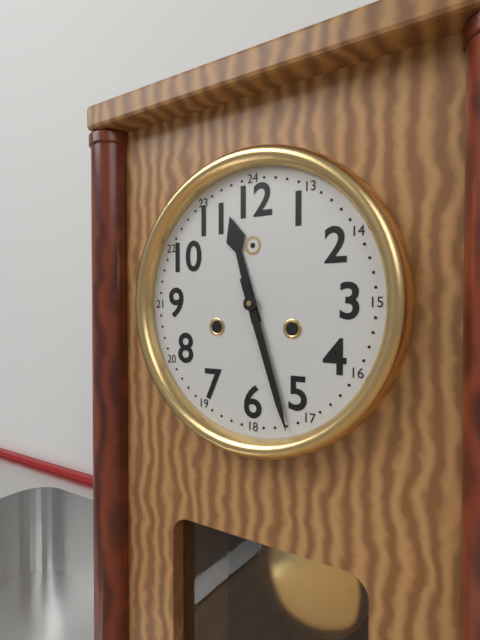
11:27
